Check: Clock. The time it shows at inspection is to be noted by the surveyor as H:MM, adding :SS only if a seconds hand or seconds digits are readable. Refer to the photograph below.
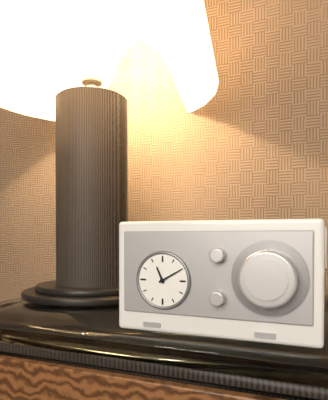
11:10
